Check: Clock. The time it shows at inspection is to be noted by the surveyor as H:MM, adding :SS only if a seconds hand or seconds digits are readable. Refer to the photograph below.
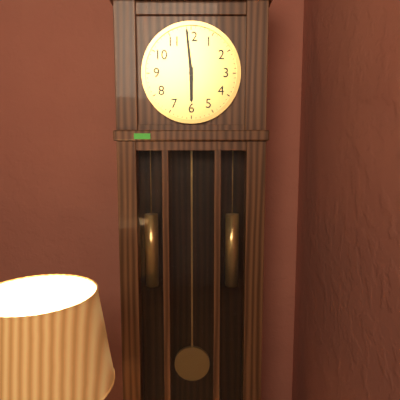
5:59
